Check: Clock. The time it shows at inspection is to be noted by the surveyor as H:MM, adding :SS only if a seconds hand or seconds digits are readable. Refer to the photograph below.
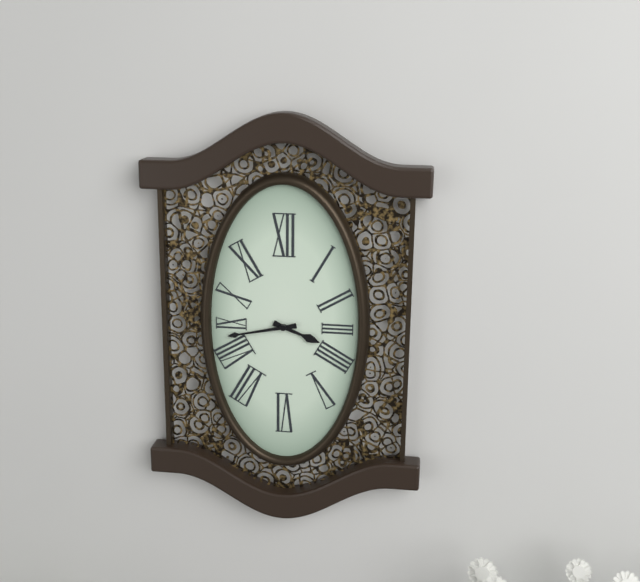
3:43
